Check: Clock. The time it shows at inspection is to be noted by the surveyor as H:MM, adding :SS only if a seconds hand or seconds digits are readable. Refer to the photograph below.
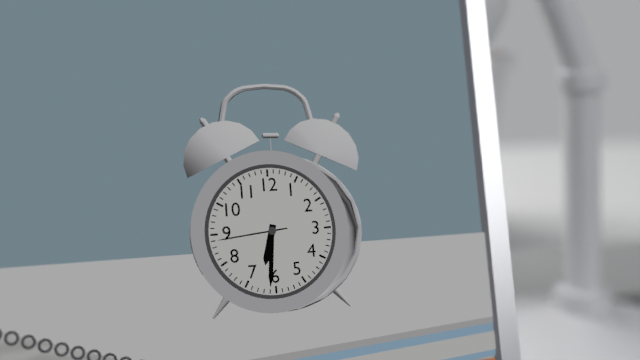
6:31:44
